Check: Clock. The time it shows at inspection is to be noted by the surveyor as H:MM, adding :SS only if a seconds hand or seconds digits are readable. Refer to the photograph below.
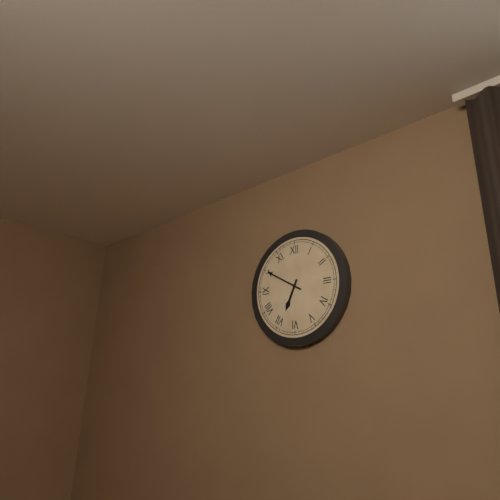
6:50
